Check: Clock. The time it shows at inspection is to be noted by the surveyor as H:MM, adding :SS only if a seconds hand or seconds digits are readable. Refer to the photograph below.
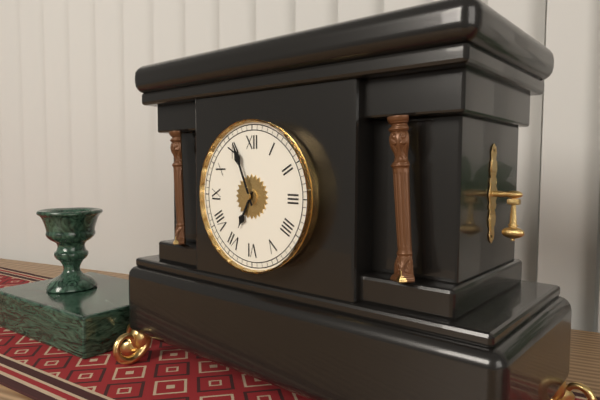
6:56
